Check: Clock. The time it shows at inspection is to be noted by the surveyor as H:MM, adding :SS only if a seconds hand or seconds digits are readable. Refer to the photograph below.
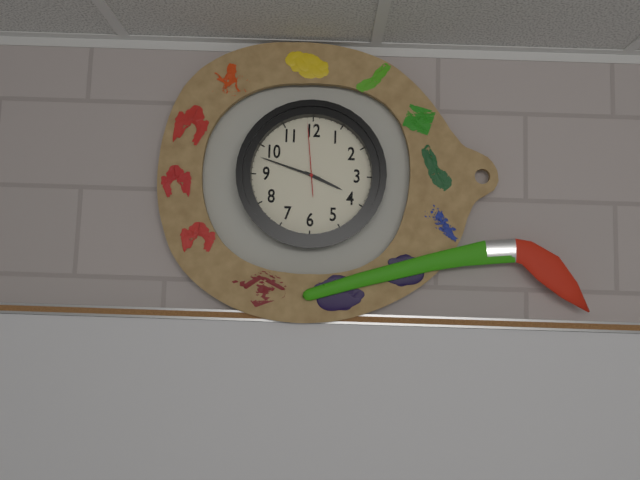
3:48:59
